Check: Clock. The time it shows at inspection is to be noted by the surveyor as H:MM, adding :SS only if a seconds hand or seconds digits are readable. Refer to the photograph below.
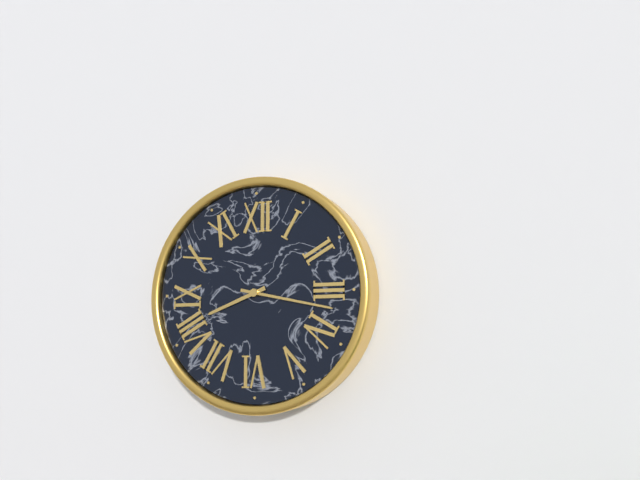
8:17
